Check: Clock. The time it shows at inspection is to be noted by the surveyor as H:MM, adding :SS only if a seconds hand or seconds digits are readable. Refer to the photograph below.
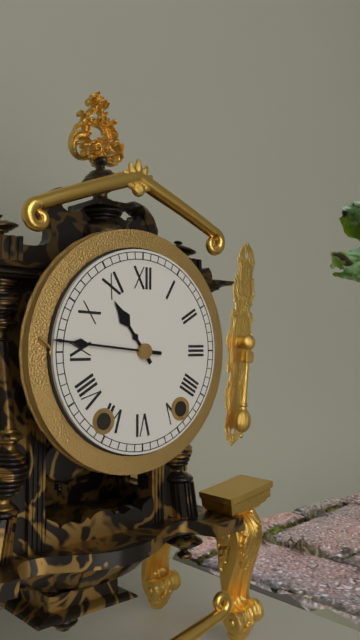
10:46
